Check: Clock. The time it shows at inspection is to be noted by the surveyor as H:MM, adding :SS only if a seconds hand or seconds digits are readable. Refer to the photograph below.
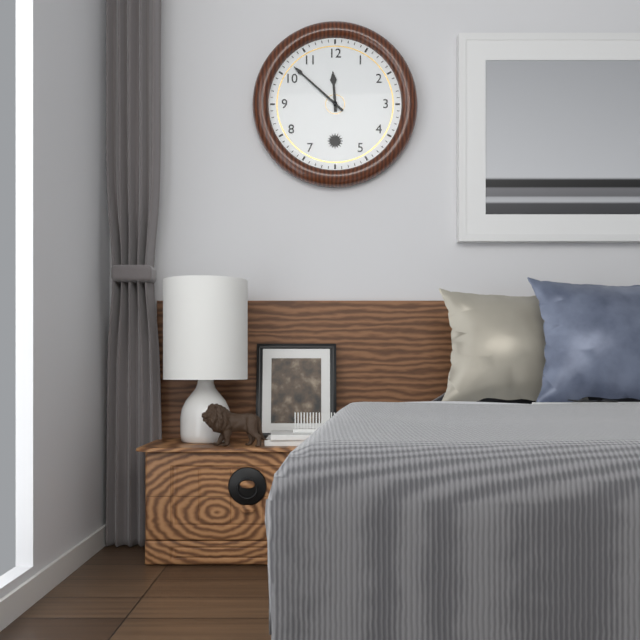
11:52
